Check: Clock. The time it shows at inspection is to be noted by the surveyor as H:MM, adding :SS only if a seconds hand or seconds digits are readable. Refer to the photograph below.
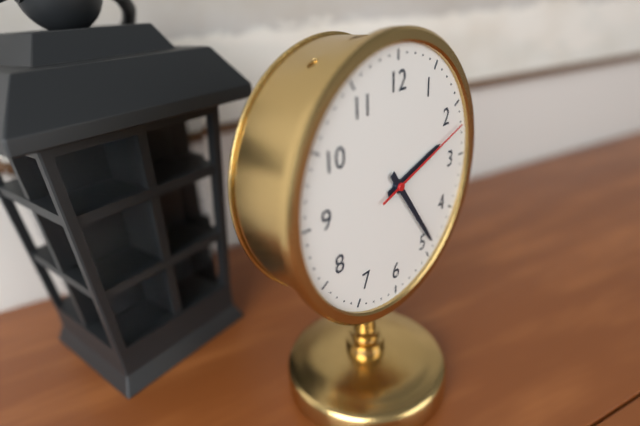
2:24:12
